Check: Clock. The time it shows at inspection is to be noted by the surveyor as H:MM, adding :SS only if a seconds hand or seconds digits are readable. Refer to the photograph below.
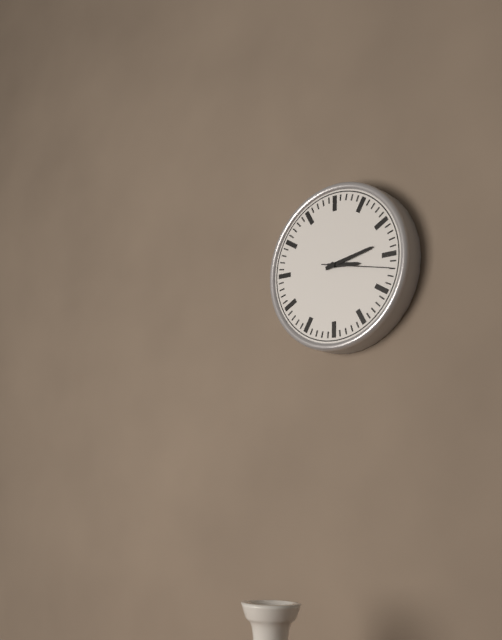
3:13:17
